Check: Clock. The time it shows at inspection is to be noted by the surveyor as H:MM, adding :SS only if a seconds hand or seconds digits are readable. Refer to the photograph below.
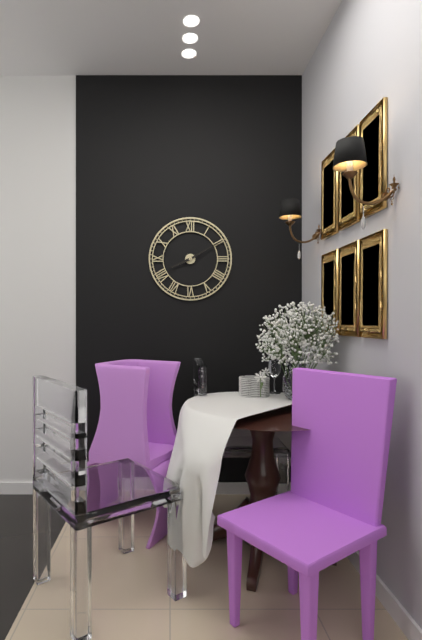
8:10
